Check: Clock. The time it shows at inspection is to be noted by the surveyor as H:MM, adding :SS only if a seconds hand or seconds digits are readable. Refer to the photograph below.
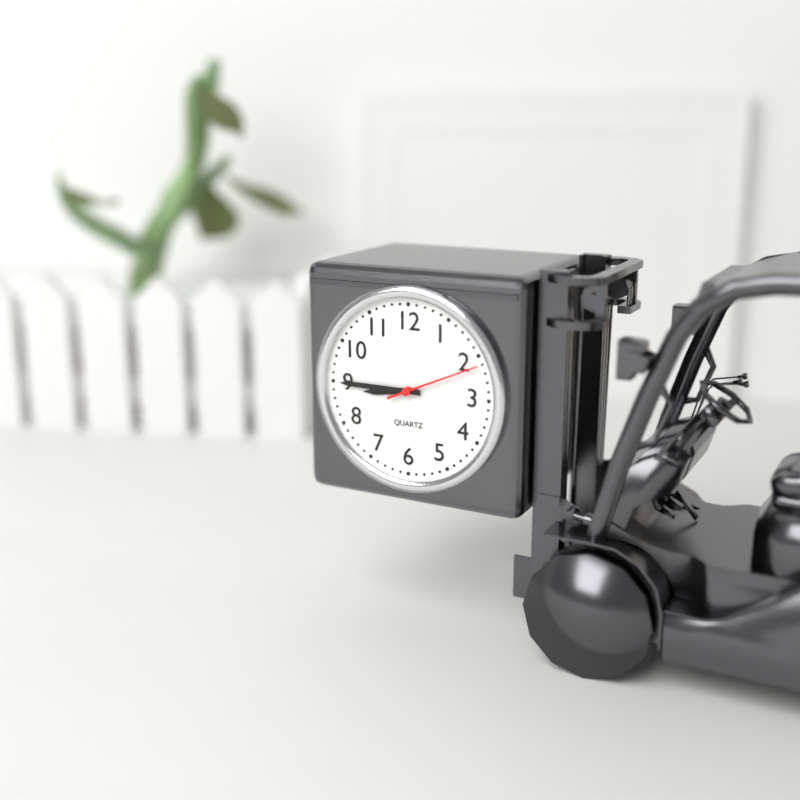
8:45:11
